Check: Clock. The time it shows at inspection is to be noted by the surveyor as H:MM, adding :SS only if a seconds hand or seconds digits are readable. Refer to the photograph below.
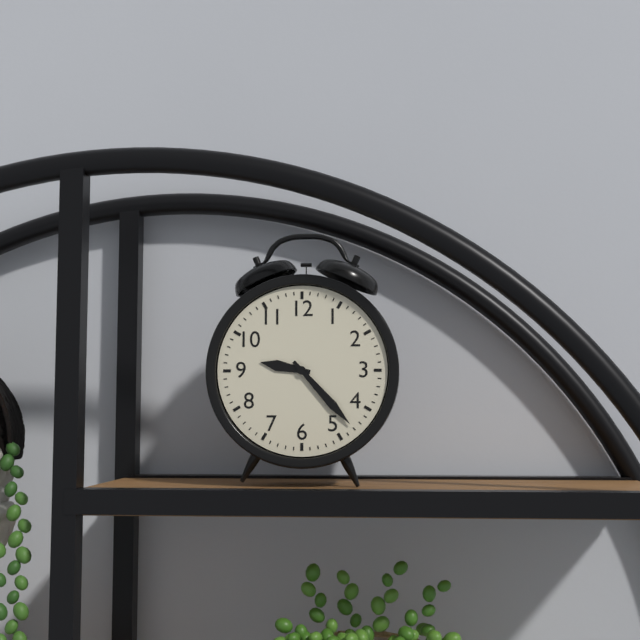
9:23
